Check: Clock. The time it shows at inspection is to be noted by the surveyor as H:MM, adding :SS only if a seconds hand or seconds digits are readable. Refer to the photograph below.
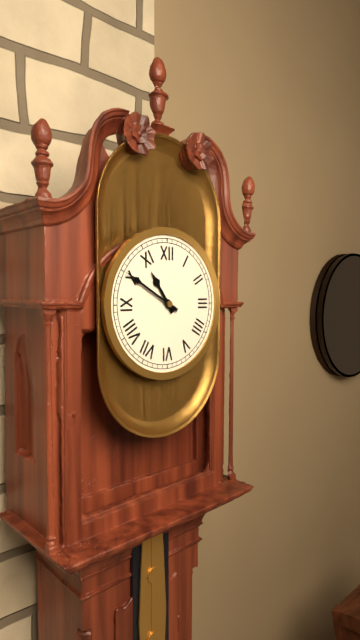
10:50
